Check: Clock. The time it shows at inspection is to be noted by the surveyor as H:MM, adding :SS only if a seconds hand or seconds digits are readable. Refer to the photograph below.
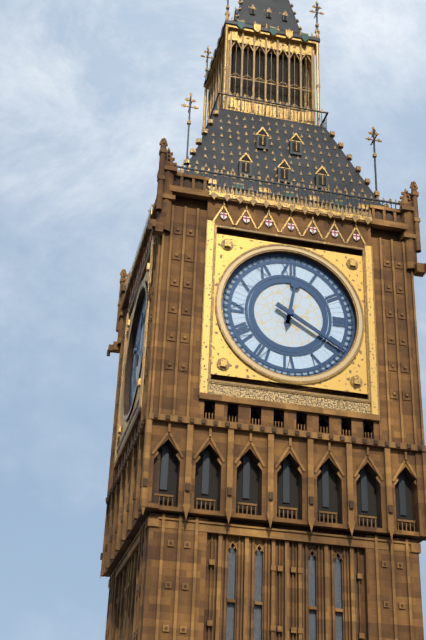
12:20
